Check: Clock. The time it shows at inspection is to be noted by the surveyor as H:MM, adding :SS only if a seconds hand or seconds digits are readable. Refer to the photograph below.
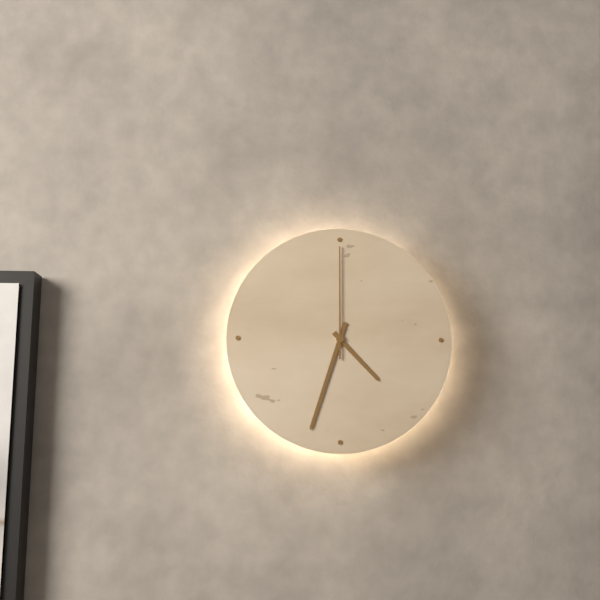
4:33:00
